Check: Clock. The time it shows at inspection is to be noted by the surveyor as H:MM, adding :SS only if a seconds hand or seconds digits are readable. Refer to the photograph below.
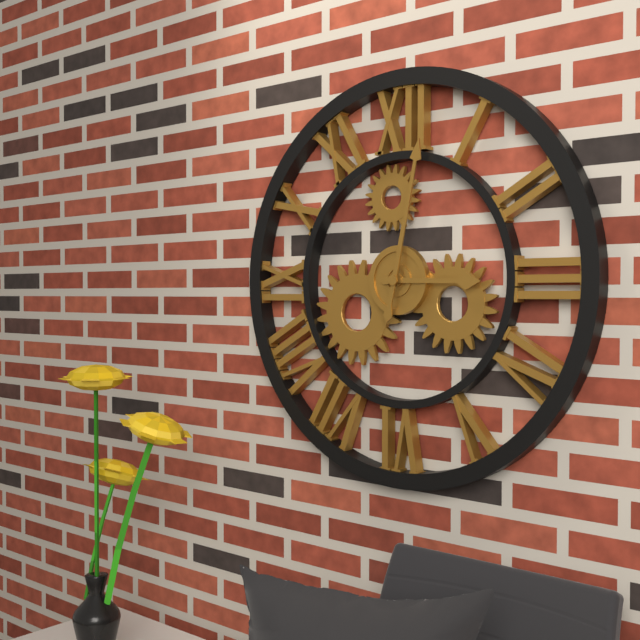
3:02
